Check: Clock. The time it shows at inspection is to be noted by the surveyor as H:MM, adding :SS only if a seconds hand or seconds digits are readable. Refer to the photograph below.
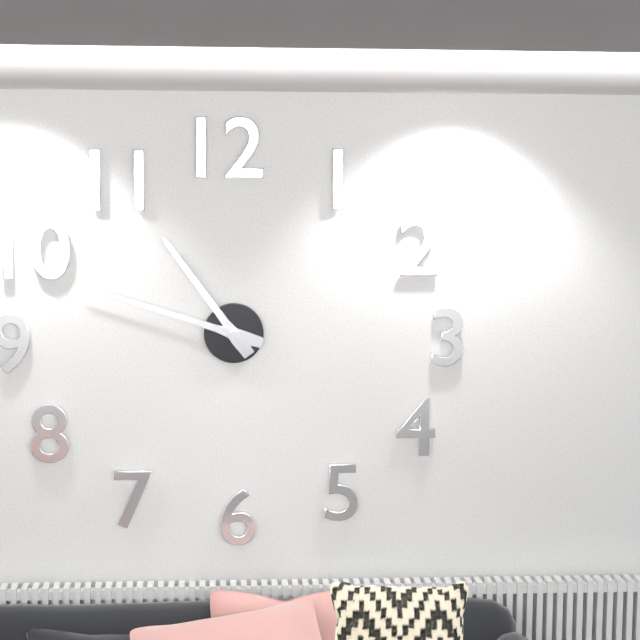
10:48
